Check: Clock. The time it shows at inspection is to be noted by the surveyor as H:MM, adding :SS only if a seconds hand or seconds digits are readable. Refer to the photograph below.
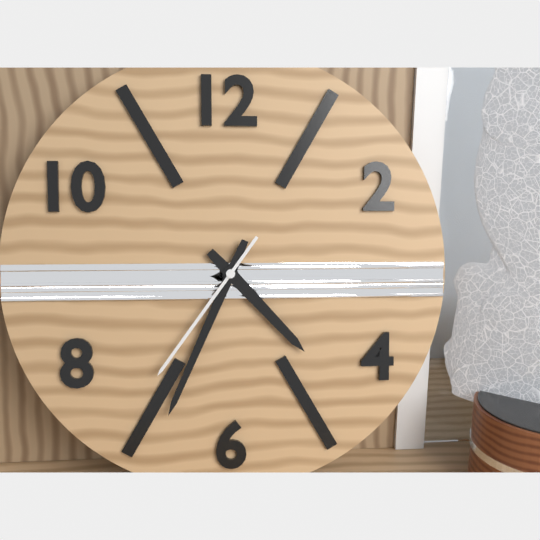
4:34:36
